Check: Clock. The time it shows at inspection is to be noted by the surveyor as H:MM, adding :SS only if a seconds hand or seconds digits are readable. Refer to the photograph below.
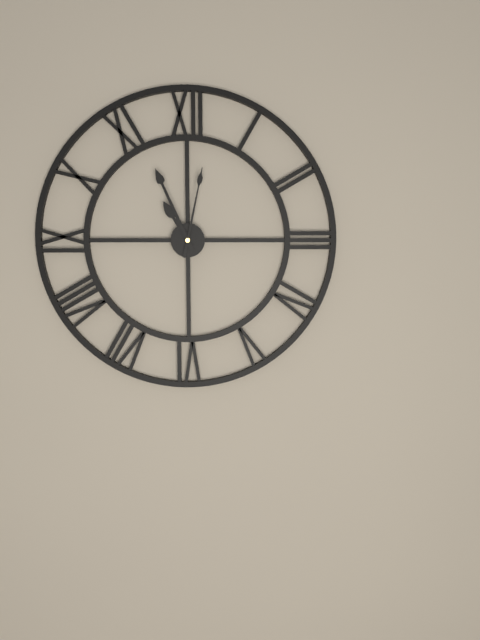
10:56:02
